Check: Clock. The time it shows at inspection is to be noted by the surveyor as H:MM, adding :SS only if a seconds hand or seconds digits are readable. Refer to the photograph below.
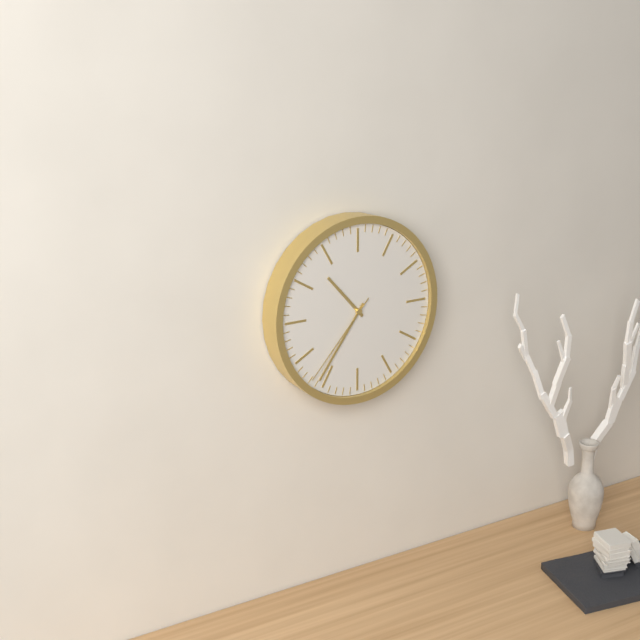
10:36:37
